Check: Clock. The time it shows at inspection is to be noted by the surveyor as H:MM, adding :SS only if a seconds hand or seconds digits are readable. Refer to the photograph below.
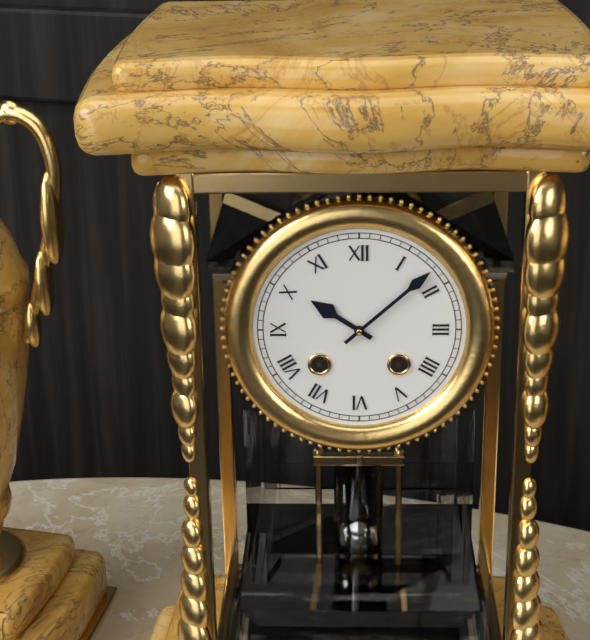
10:08
